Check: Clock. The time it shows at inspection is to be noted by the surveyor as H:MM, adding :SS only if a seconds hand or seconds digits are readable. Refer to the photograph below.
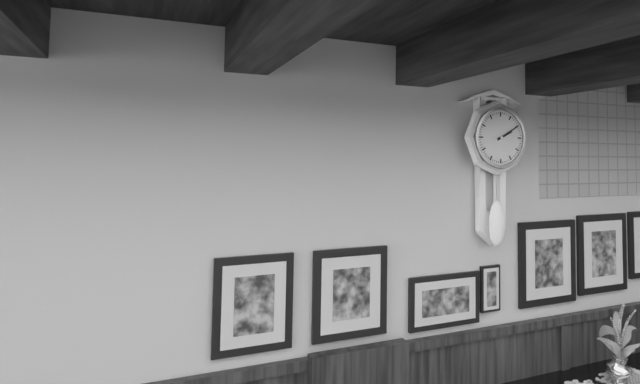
2:10
